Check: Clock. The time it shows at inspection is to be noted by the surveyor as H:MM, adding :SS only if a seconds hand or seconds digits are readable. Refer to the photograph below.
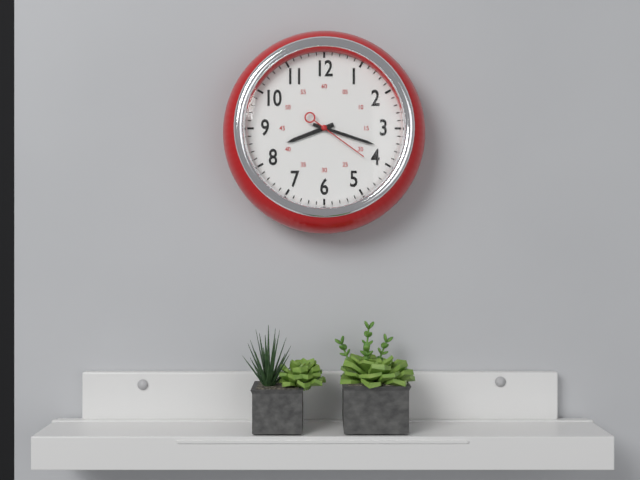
8:18:21
